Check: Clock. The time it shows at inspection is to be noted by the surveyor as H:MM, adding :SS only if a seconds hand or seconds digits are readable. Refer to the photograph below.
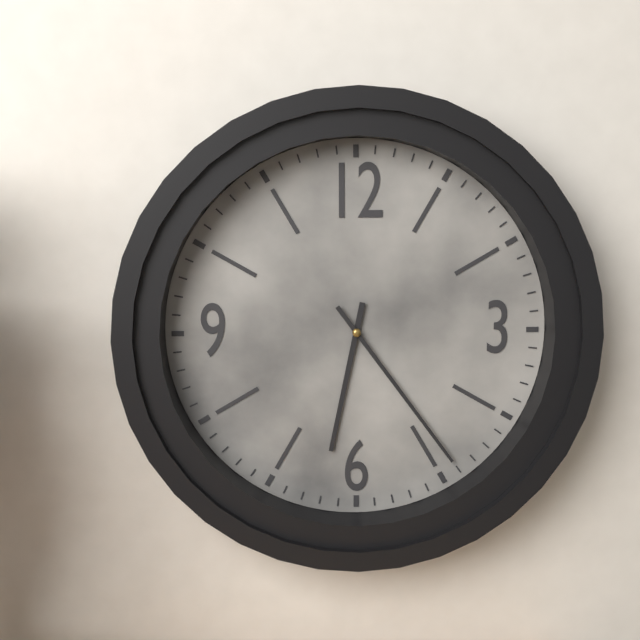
6:24
